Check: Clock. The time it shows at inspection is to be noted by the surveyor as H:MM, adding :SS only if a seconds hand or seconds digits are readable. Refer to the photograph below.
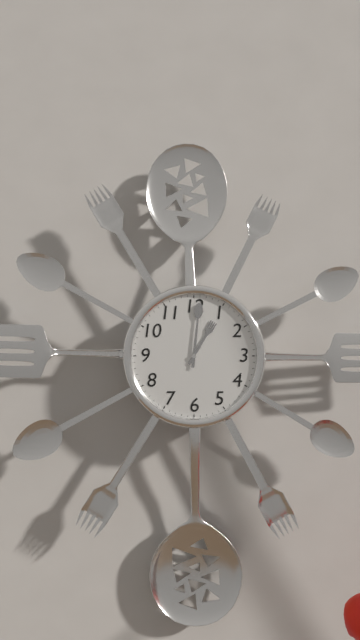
1:01
